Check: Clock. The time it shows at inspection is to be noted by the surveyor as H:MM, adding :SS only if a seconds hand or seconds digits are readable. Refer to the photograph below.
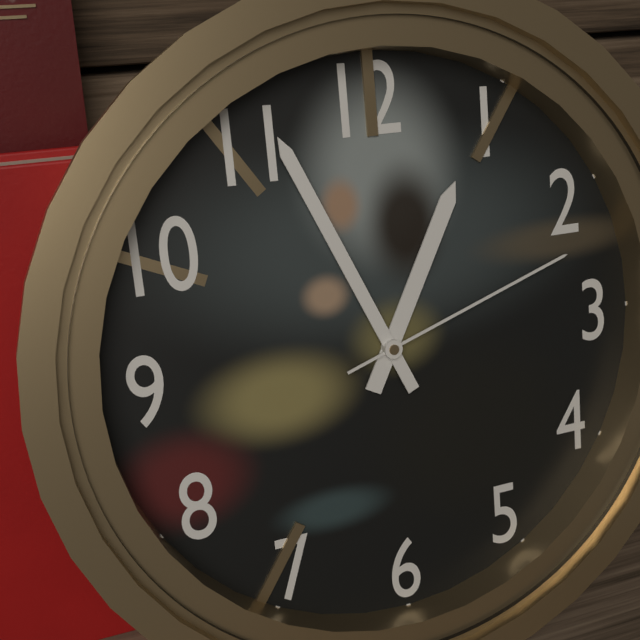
12:56:12
